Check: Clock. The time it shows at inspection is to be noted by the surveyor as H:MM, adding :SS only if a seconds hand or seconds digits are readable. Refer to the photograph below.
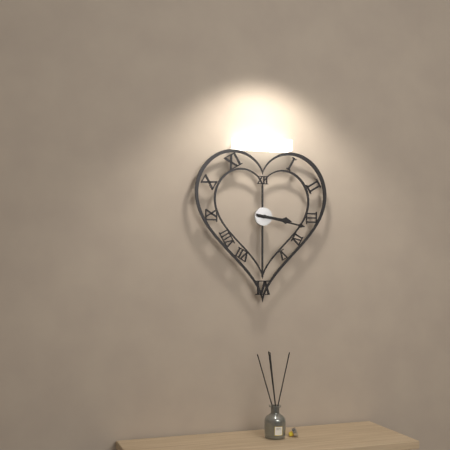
3:17
